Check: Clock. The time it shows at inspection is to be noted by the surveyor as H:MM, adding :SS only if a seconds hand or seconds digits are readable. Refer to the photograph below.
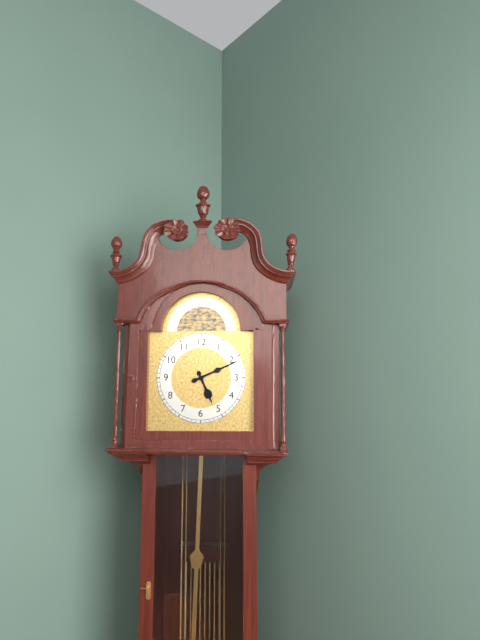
5:11
